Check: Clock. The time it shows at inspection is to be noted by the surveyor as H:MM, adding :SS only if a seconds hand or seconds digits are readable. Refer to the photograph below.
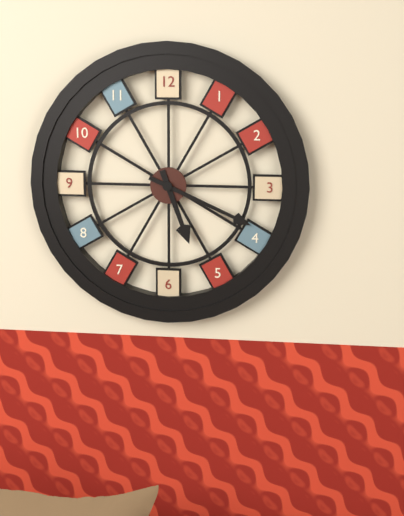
5:19
